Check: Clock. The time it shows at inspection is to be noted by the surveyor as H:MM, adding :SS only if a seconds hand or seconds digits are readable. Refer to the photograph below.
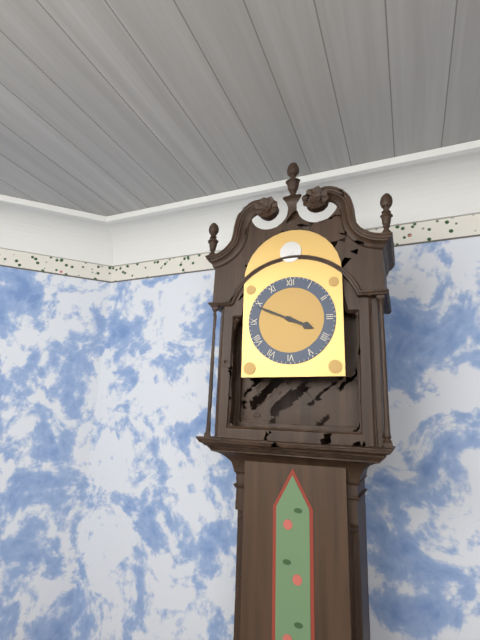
3:49
